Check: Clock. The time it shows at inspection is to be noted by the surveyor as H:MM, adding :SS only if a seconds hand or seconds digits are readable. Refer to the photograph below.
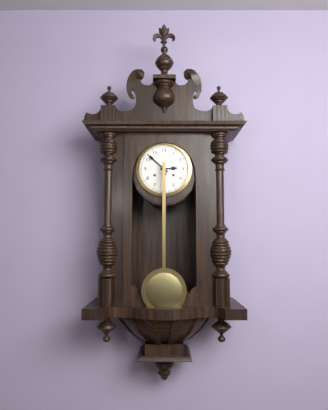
2:52
